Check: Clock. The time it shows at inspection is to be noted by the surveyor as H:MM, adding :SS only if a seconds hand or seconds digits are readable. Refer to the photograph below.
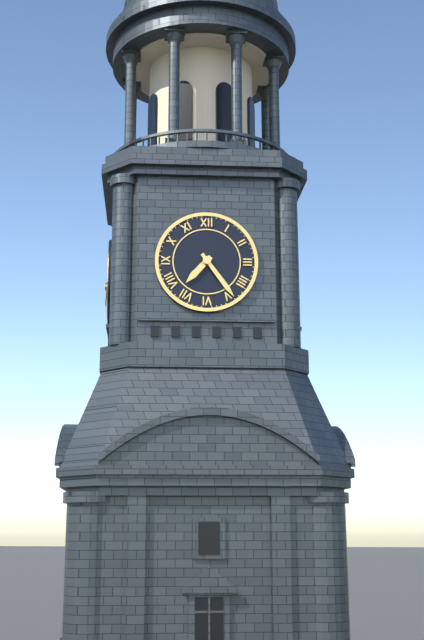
7:24
